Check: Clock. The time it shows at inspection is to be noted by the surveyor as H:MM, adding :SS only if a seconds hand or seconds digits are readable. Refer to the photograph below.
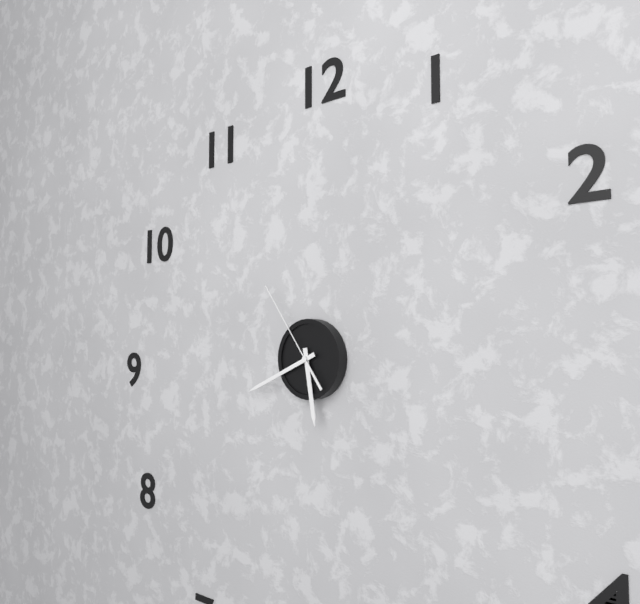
5:41:54
